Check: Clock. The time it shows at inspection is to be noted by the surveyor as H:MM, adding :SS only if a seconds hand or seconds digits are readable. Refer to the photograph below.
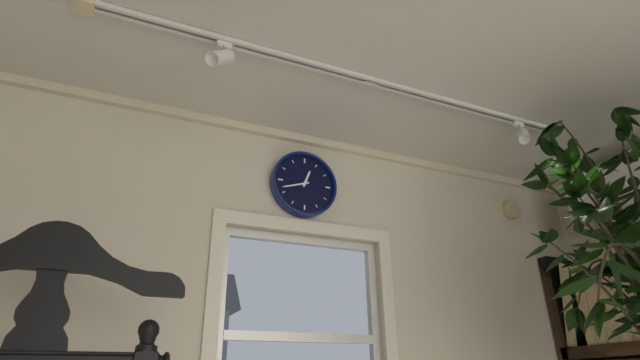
12:42
